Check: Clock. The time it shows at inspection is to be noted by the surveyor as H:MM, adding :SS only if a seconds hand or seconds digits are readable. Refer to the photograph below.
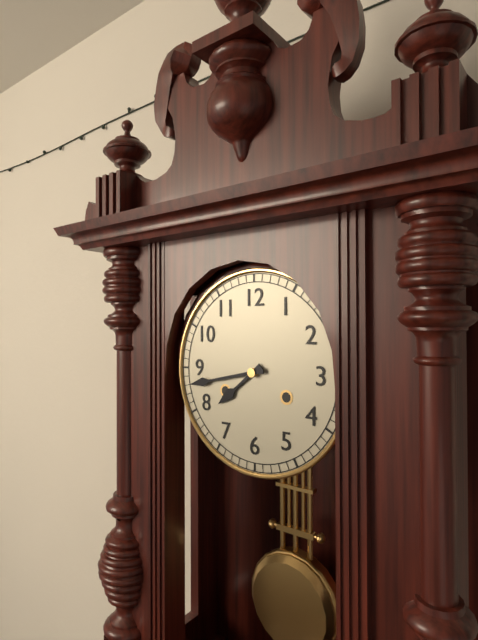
7:43
